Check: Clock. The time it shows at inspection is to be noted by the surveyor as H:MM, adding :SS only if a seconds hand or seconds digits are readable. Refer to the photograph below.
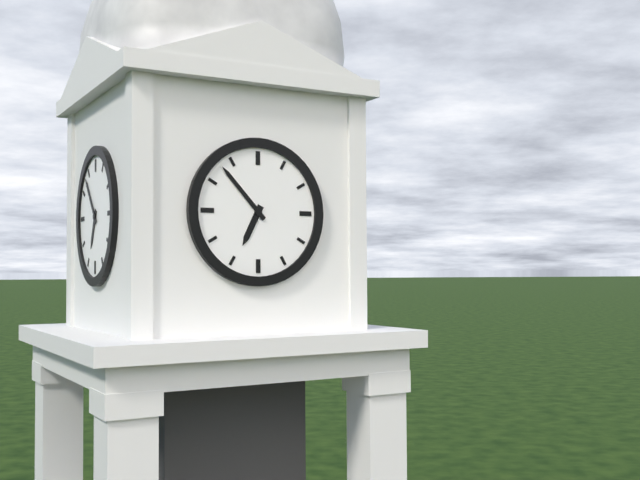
6:53
